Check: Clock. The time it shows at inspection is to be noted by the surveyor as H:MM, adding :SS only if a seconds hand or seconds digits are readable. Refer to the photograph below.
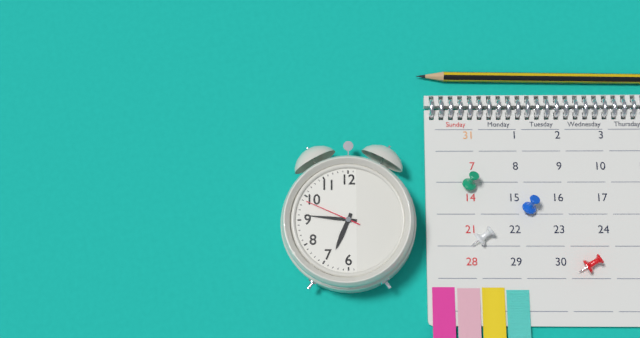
6:46:49
